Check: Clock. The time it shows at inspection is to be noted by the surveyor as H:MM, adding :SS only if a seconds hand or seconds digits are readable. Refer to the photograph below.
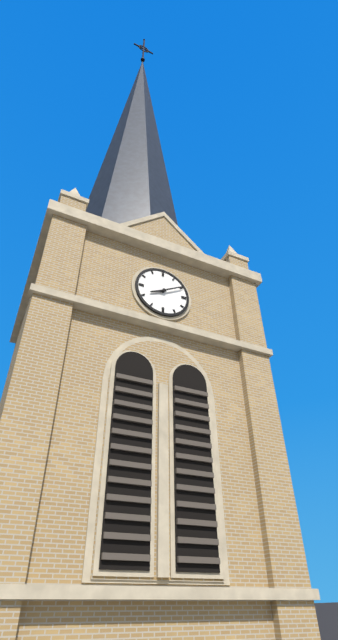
8:10
